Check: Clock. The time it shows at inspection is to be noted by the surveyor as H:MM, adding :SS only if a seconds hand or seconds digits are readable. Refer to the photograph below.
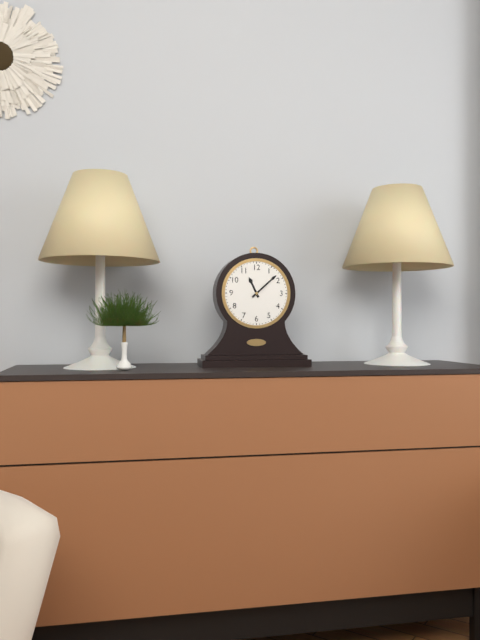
11:08
